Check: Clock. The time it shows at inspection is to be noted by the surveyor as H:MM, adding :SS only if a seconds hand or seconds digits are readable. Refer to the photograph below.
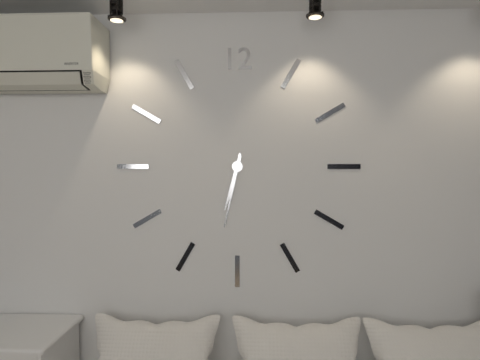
6:32
